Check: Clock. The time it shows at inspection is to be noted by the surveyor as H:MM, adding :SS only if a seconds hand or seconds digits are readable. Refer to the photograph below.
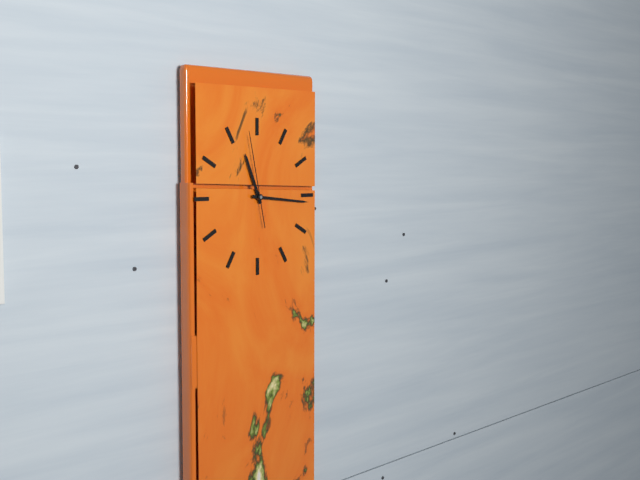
11:16:58
